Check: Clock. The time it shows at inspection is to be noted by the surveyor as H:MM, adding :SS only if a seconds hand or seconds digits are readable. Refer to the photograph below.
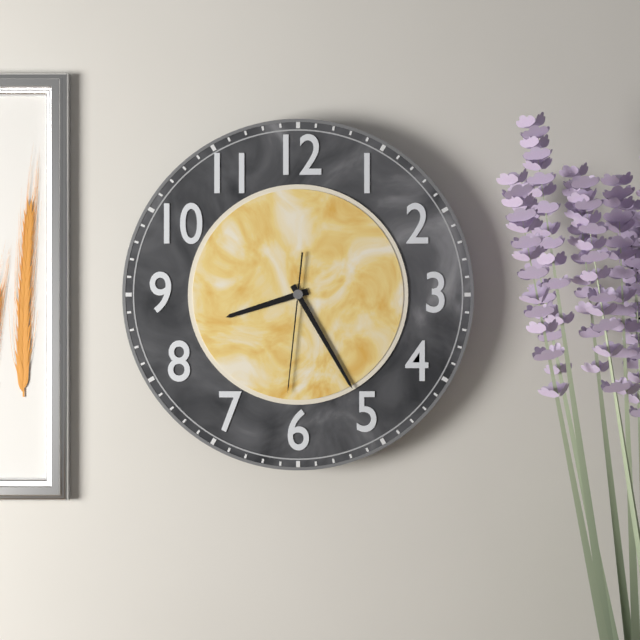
8:25:31
